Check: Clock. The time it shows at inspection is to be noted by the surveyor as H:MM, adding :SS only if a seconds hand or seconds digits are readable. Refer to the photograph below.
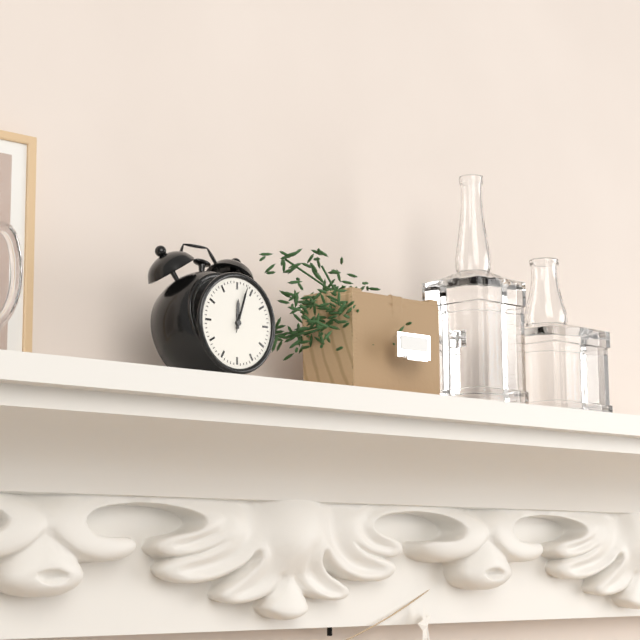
12:03
